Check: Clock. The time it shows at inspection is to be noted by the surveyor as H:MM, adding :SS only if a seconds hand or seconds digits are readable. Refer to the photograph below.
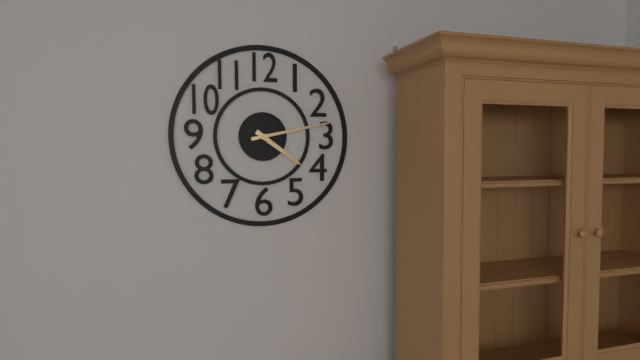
4:13
